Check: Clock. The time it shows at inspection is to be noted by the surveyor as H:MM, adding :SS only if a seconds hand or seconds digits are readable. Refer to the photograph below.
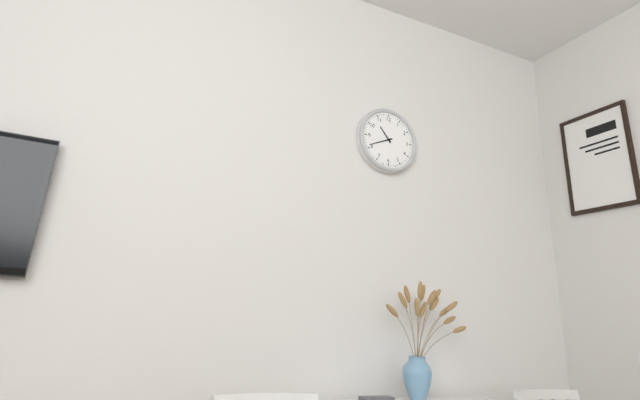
10:41
